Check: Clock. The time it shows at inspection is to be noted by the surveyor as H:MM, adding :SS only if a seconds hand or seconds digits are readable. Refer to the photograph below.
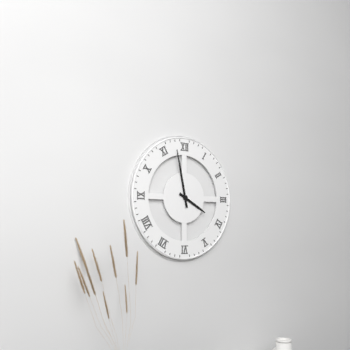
3:58
